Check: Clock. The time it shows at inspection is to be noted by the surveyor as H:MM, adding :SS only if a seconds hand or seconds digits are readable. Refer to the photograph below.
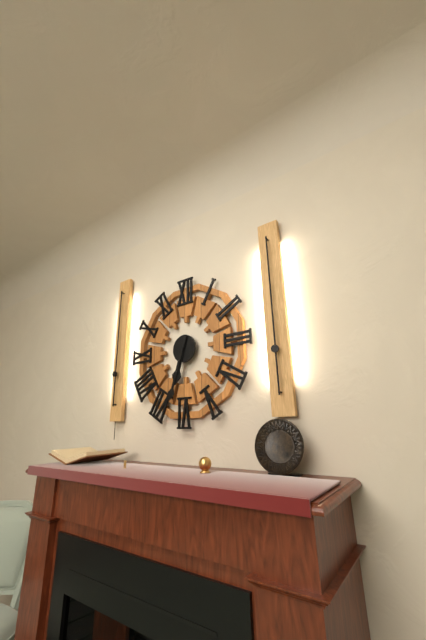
6:33
